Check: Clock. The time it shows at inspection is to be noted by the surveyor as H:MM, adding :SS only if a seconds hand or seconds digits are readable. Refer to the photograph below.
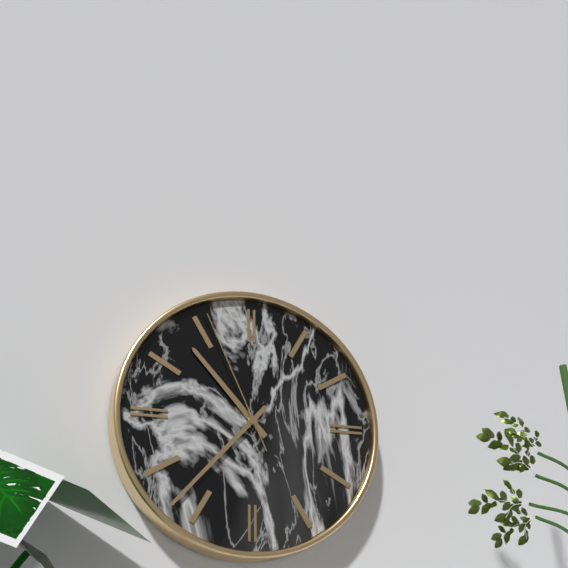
10:37:56
